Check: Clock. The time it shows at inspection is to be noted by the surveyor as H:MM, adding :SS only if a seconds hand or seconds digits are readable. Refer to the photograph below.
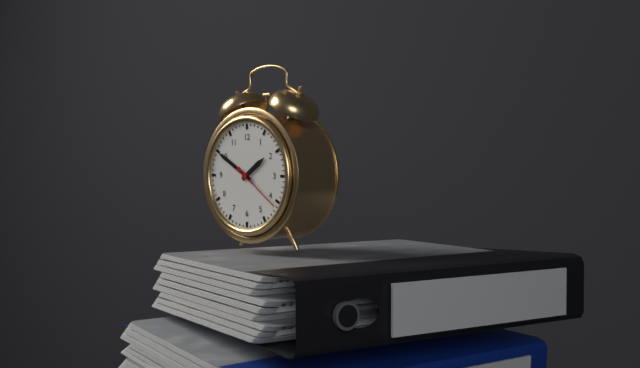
1:50
